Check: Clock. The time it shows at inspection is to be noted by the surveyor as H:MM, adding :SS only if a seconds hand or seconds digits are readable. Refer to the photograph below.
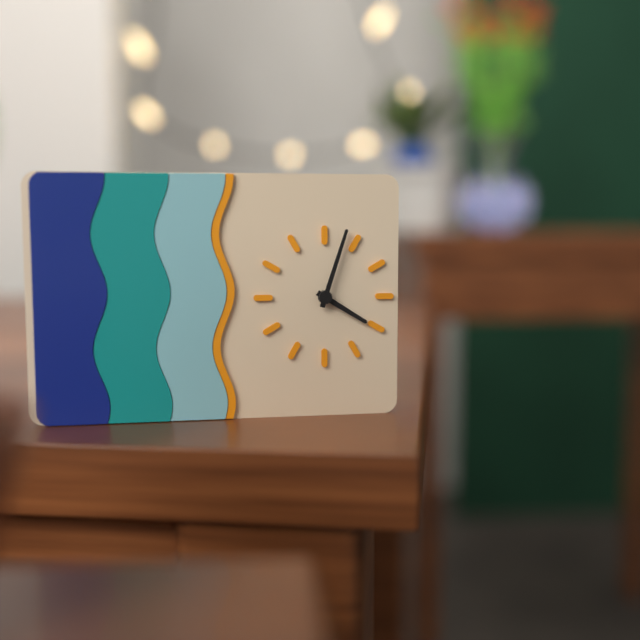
4:03
